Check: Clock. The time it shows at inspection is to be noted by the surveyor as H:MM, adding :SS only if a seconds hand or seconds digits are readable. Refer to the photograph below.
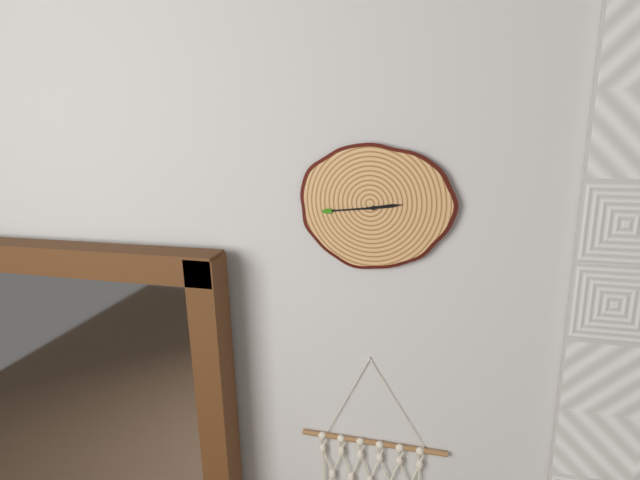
2:44
